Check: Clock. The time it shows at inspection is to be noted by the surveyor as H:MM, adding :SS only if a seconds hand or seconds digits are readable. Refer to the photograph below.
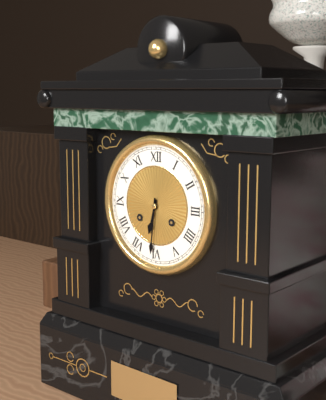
6:31
